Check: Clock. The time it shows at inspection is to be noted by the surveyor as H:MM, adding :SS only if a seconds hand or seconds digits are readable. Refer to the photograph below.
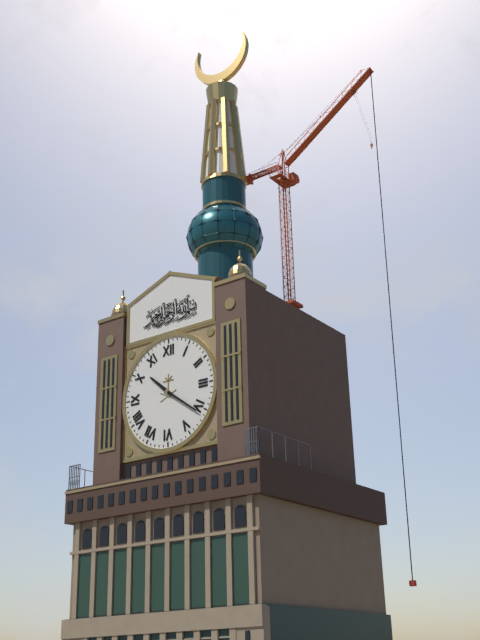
10:21
